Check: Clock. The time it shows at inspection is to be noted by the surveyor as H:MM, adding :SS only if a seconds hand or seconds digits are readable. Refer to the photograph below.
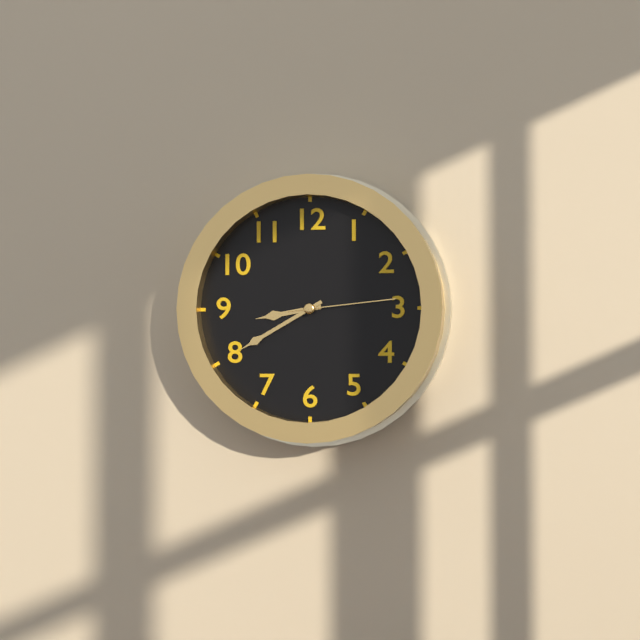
8:40:14
